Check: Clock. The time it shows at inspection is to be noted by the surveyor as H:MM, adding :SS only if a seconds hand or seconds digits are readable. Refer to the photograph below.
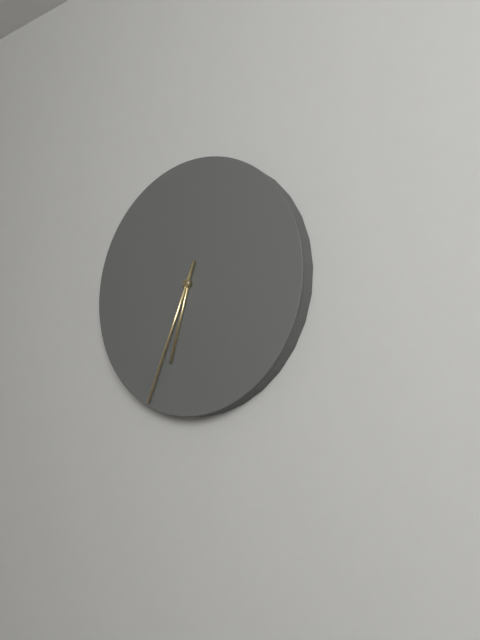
6:34
